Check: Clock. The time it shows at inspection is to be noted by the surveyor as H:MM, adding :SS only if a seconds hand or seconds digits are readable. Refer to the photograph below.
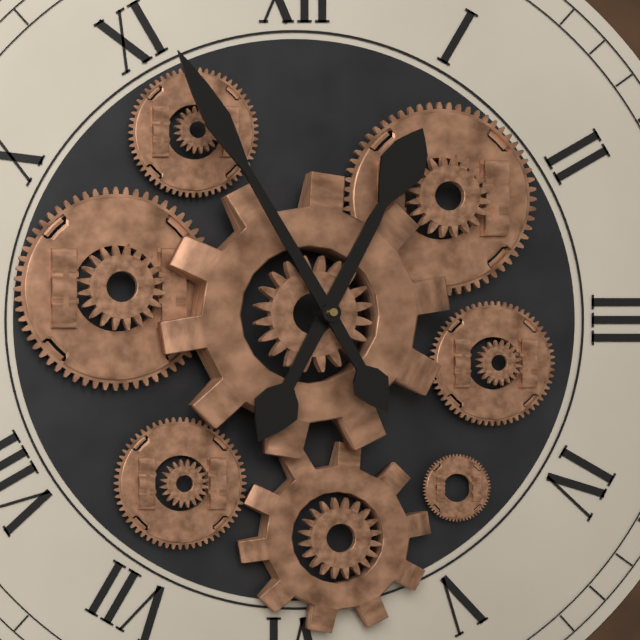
12:55
